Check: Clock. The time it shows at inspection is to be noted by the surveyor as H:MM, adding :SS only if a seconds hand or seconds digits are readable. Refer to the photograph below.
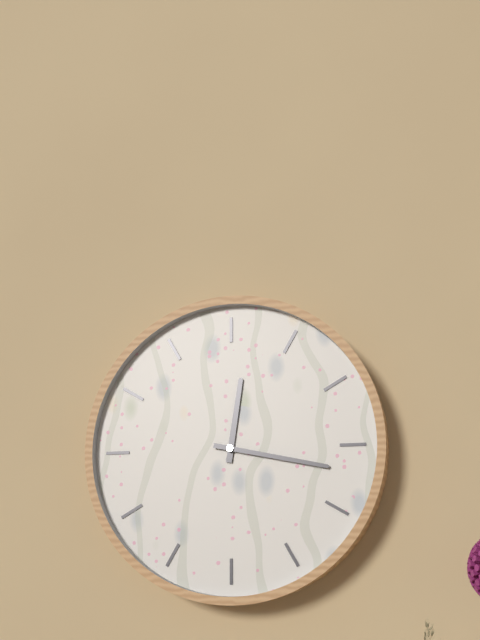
12:17
